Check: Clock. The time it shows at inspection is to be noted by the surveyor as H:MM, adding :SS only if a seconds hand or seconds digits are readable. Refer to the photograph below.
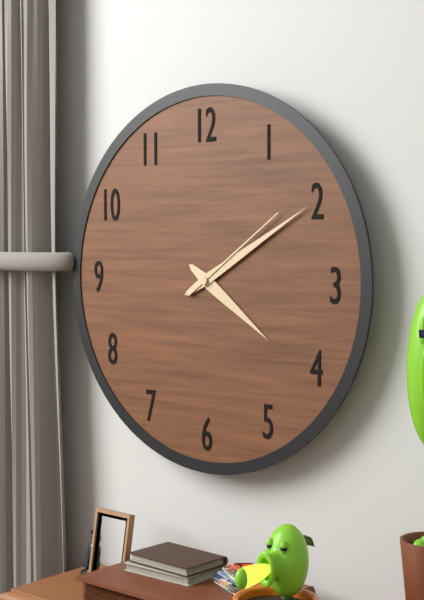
4:10:09
